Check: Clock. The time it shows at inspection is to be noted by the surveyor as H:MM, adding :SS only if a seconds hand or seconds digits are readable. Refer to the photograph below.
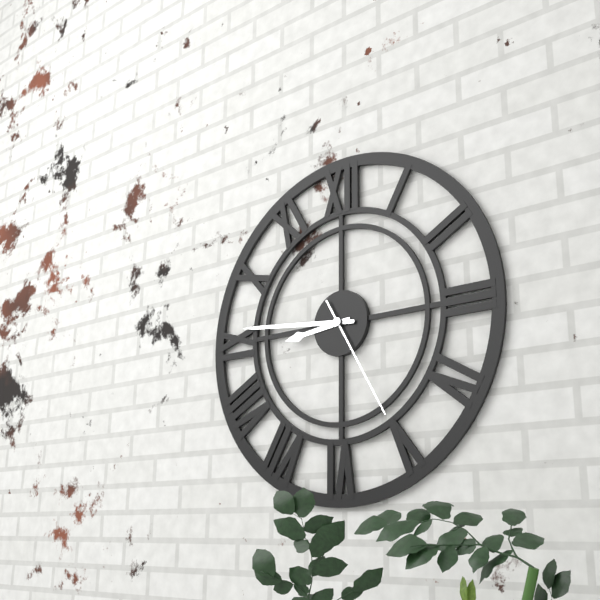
8:46:25
